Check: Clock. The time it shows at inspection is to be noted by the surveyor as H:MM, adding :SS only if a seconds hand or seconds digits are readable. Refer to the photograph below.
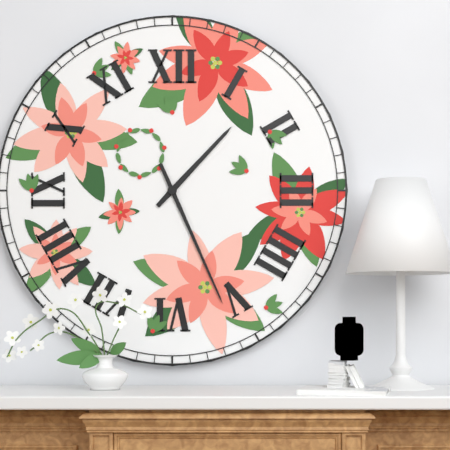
1:26
